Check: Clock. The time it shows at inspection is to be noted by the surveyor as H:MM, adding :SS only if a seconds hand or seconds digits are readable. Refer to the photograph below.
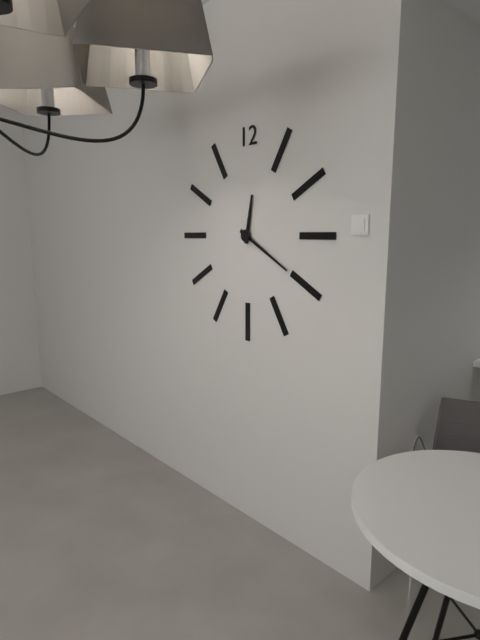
12:20
